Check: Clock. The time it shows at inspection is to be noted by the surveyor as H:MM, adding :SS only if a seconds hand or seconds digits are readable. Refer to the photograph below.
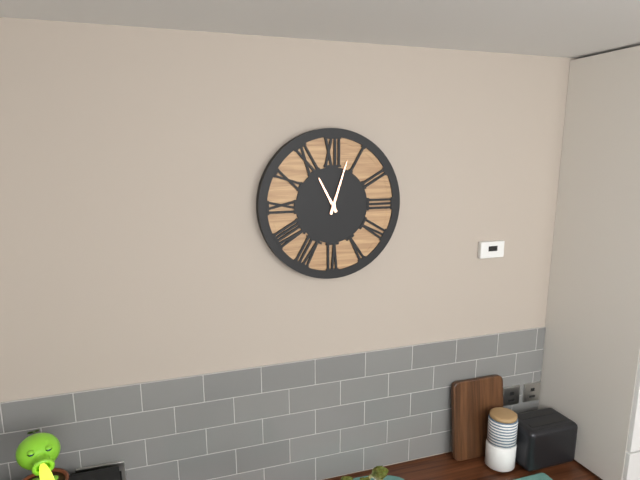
11:03
